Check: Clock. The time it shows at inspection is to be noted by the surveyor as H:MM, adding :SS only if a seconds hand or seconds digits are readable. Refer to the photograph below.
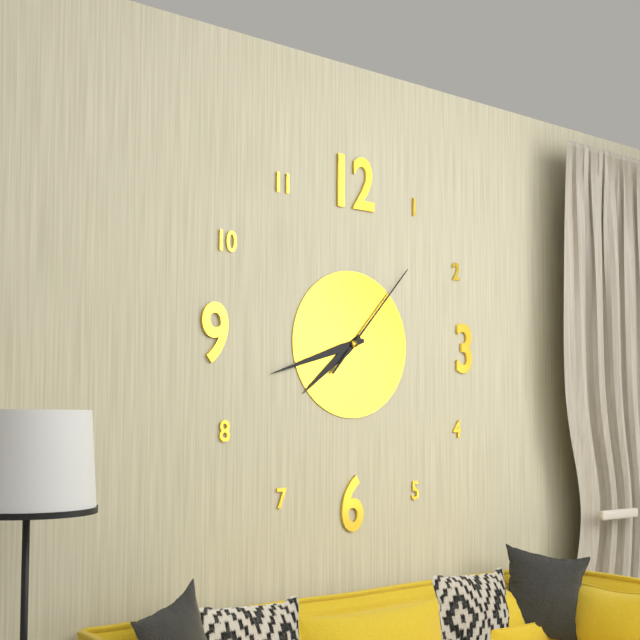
7:42:07
